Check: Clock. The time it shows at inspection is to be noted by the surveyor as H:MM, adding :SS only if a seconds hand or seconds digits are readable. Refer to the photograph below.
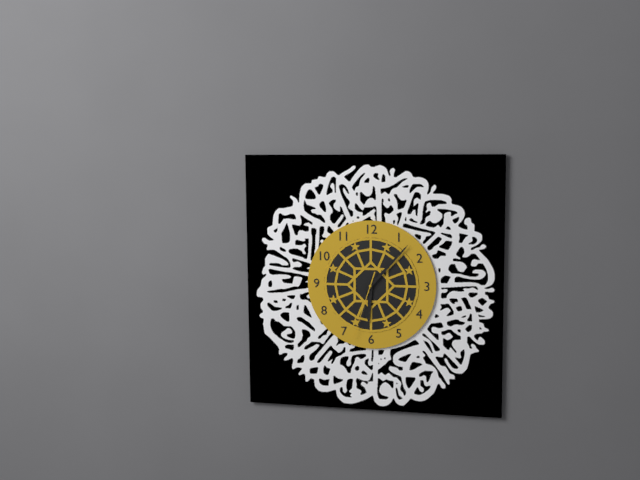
6:07:33
